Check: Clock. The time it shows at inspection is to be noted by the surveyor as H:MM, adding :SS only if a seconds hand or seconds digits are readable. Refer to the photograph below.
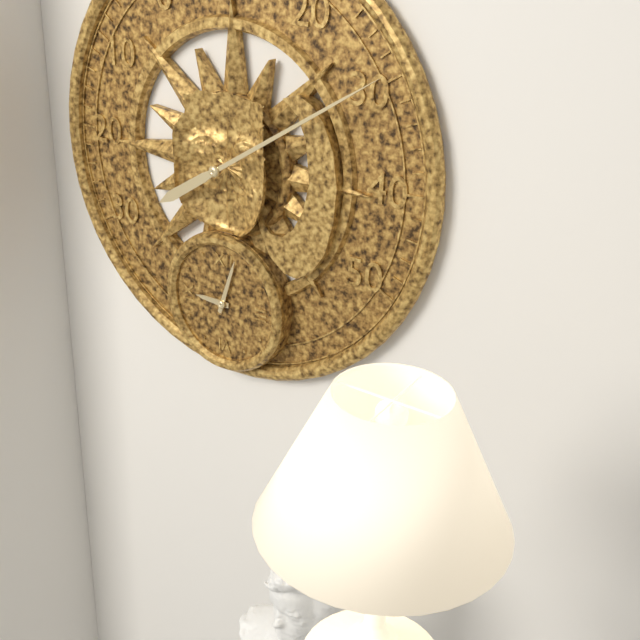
9:03
